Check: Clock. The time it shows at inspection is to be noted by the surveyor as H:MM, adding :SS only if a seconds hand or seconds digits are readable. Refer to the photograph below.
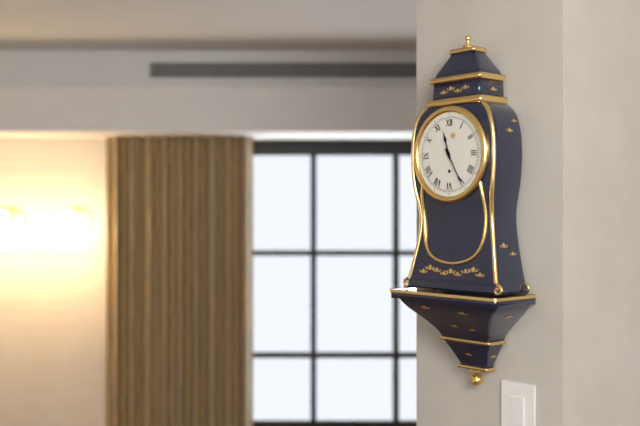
11:25
